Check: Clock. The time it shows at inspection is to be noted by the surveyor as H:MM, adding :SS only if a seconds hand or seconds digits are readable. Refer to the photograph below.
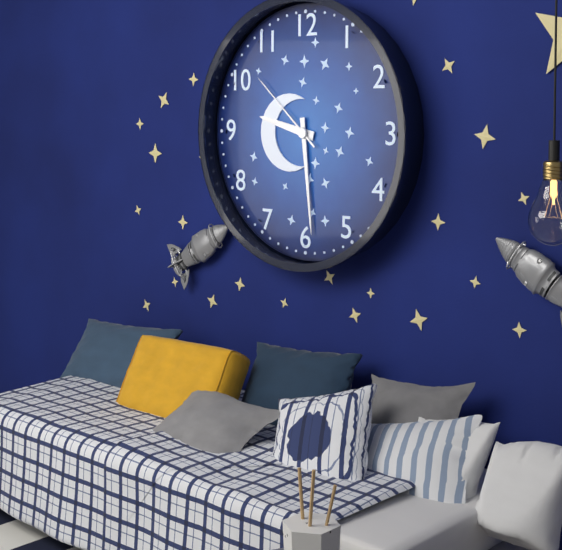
9:29:52
